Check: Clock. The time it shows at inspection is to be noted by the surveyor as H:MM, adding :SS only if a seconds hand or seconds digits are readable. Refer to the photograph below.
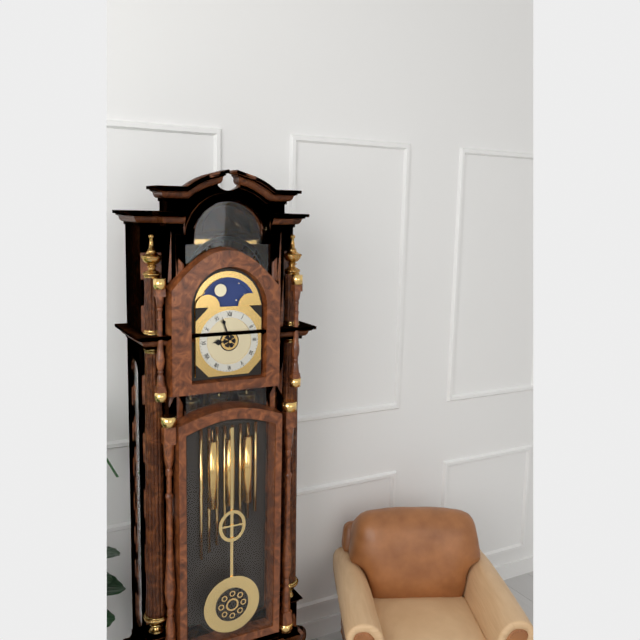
8:57
